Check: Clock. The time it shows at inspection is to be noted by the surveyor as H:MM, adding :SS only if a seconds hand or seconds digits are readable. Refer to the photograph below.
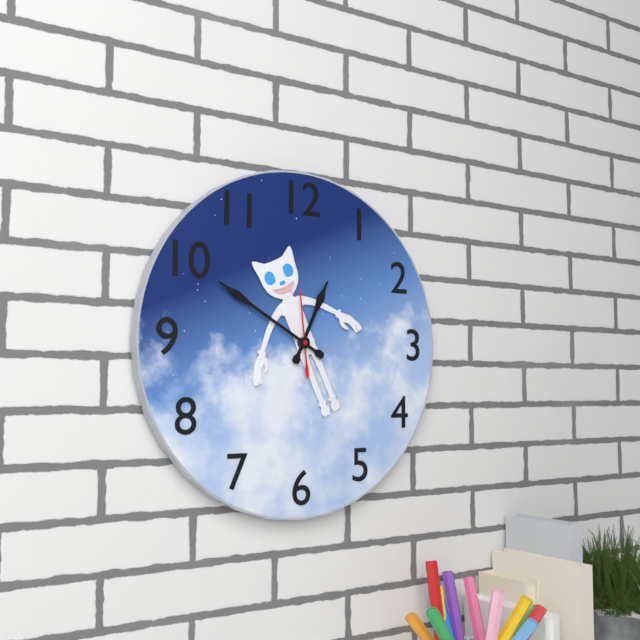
12:50:59
